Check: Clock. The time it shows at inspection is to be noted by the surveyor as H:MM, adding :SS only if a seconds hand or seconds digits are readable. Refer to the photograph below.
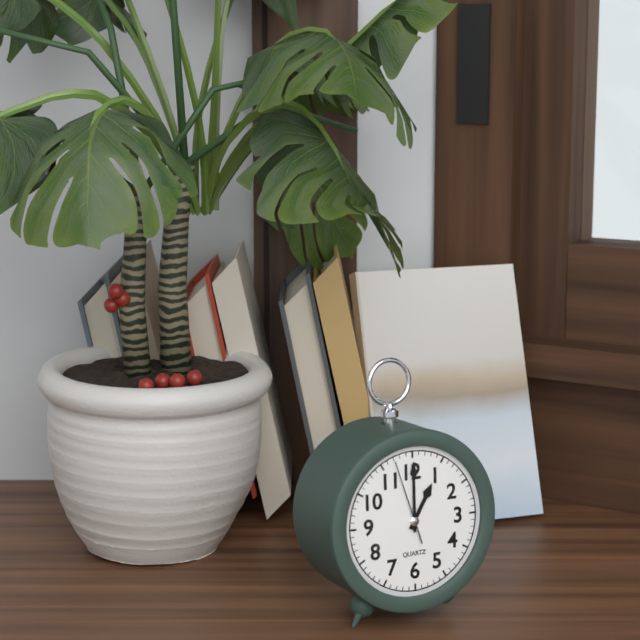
1:00:57
